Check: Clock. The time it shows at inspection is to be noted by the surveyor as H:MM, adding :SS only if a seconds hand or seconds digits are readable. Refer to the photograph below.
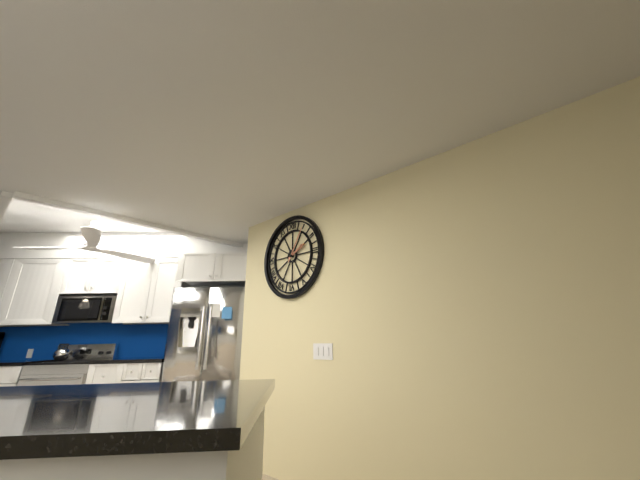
2:05
